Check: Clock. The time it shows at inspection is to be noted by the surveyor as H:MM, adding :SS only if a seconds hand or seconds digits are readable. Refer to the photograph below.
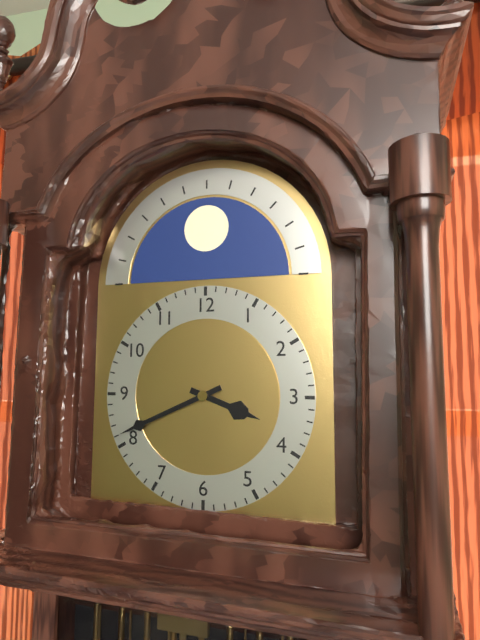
3:41
